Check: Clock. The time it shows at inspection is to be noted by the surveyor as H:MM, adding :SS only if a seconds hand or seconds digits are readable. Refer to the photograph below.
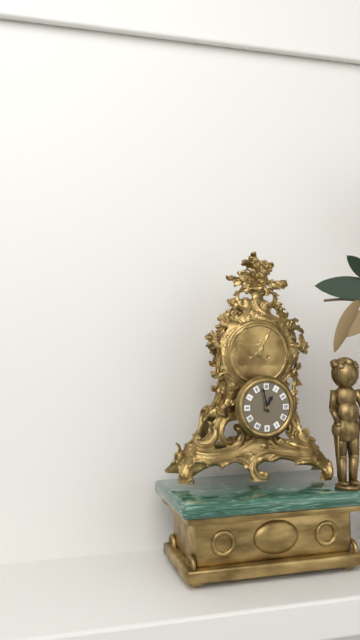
12:58
